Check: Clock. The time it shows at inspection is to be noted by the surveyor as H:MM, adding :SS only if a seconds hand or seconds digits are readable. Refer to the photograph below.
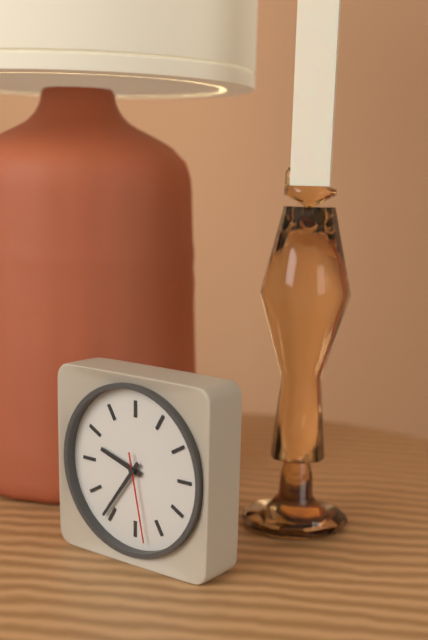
9:36:28
